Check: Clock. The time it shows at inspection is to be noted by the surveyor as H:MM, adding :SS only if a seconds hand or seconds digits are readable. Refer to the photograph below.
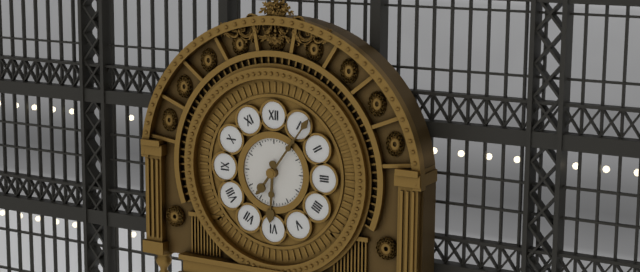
6:06
